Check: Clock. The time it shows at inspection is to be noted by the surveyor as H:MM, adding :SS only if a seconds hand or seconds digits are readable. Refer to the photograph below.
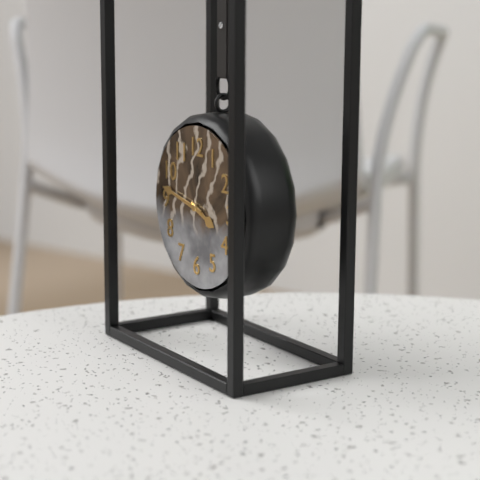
3:47
